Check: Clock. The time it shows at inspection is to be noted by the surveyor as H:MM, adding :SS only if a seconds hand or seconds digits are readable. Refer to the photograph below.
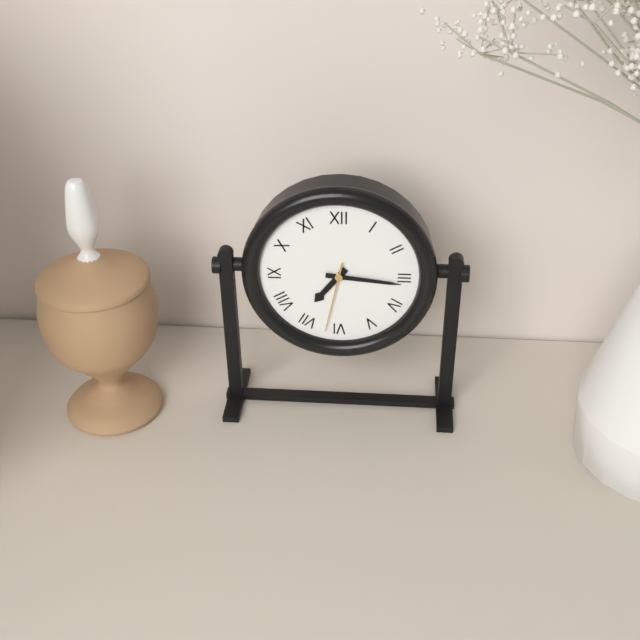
7:16:32
